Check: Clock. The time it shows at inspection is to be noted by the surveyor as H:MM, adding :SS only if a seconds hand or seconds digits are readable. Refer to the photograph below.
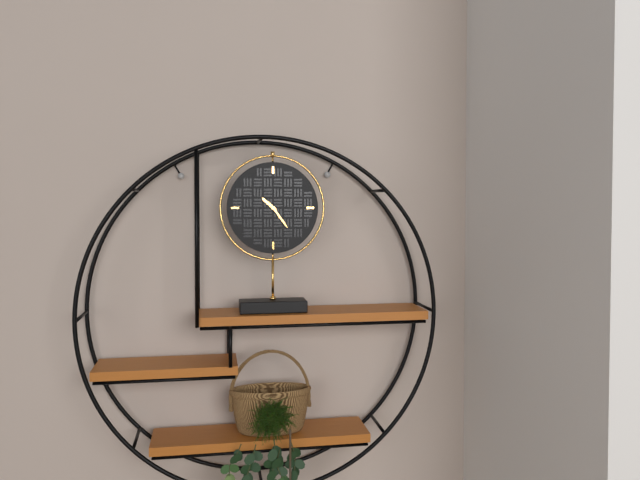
10:24
